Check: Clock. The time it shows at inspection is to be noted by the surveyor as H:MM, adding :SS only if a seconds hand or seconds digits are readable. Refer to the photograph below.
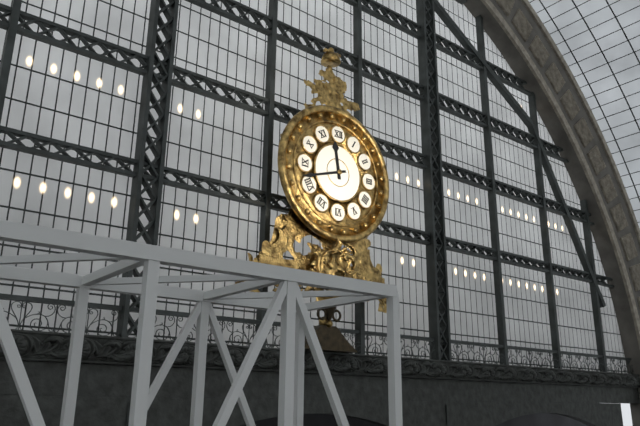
11:42
